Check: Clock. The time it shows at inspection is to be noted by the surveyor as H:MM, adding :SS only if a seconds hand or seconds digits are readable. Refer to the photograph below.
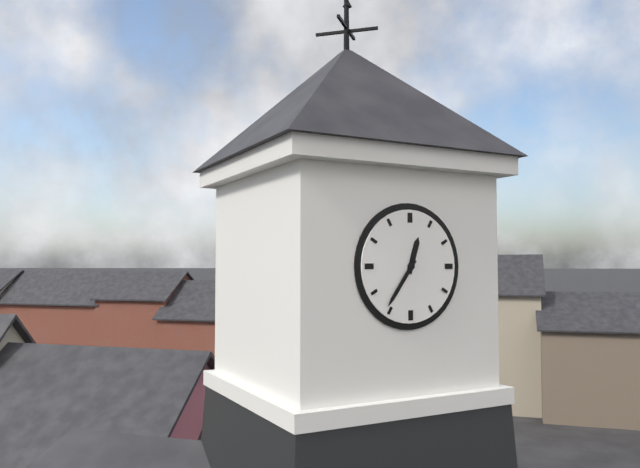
12:36
